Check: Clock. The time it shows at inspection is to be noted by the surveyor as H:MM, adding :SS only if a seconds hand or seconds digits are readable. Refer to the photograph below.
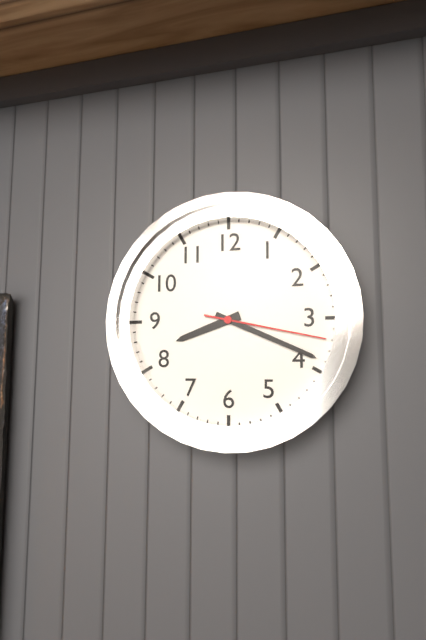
8:19:17
